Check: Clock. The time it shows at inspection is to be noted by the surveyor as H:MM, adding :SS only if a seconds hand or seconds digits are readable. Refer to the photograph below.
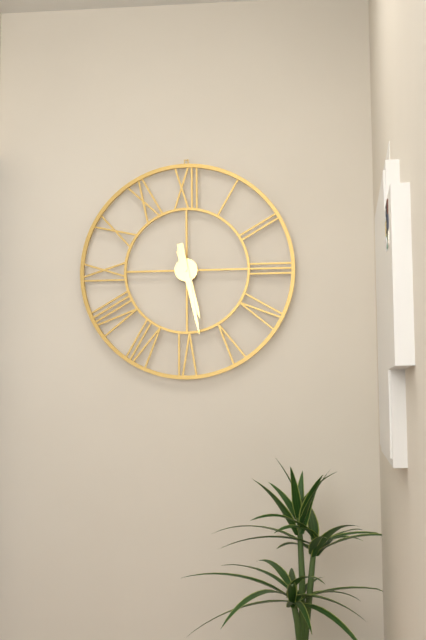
5:28
